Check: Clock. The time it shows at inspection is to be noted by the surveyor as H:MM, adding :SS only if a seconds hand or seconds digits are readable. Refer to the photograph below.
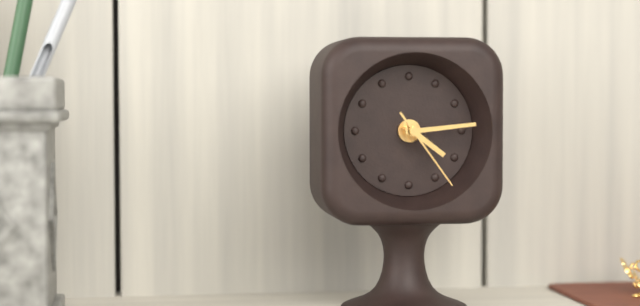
4:14:24
